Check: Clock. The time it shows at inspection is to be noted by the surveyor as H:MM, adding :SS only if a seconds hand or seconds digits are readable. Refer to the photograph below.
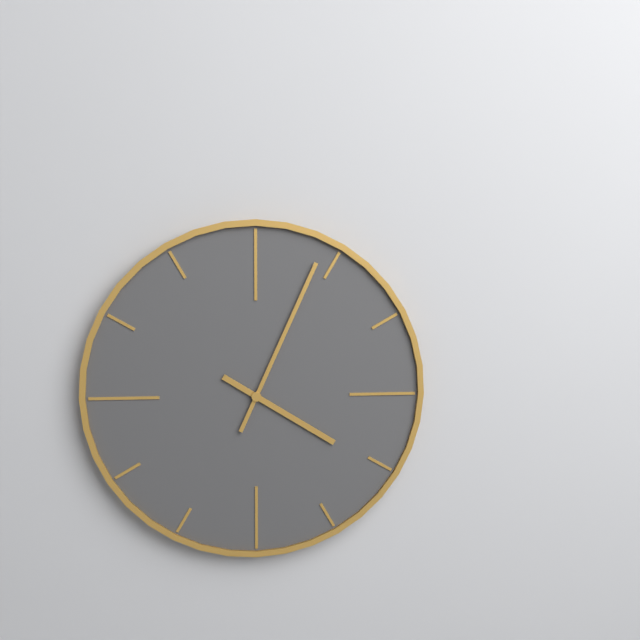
4:04
